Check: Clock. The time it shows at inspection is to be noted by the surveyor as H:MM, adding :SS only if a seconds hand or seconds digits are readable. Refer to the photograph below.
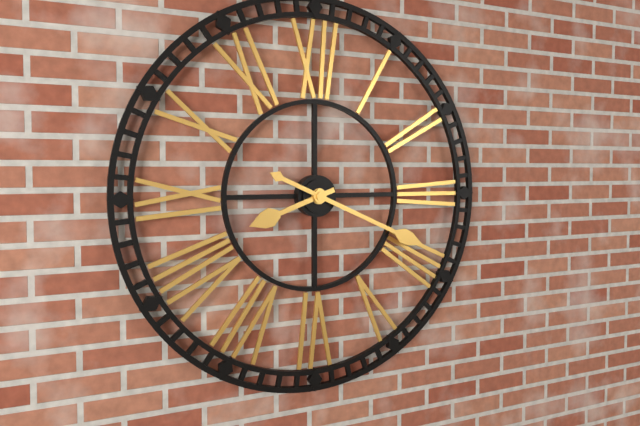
8:19
